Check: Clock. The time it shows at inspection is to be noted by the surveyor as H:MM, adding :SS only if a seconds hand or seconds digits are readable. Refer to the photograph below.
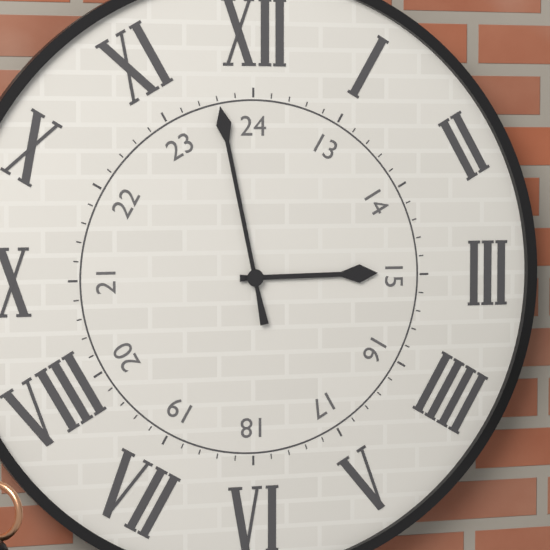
2:58
